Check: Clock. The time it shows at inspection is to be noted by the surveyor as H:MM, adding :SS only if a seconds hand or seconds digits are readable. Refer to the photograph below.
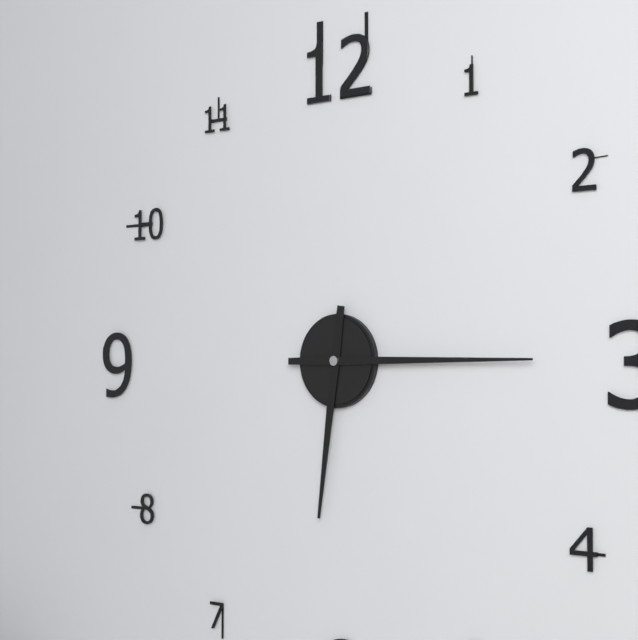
6:15
